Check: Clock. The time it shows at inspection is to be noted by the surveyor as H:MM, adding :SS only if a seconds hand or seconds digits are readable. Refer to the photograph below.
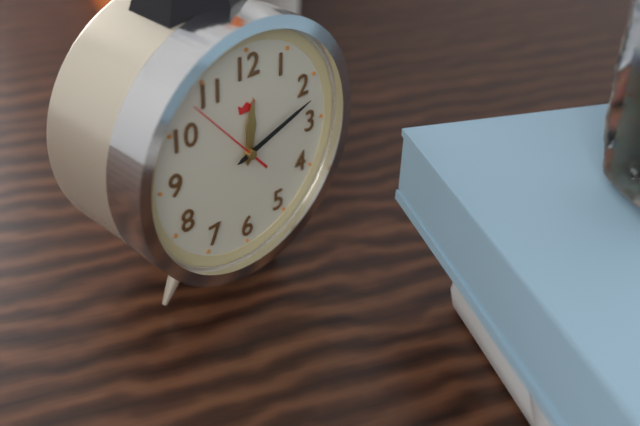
12:12:53
